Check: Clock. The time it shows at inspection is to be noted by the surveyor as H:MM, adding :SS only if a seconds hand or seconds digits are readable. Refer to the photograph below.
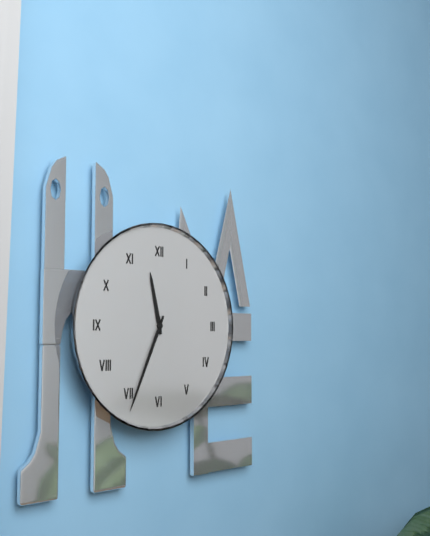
11:34
